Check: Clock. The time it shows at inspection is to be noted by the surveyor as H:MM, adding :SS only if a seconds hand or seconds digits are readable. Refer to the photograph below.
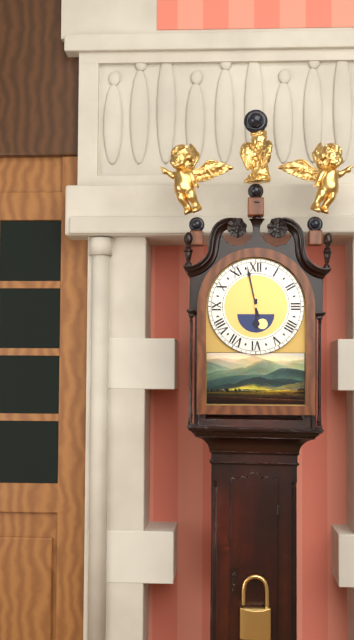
5:58
